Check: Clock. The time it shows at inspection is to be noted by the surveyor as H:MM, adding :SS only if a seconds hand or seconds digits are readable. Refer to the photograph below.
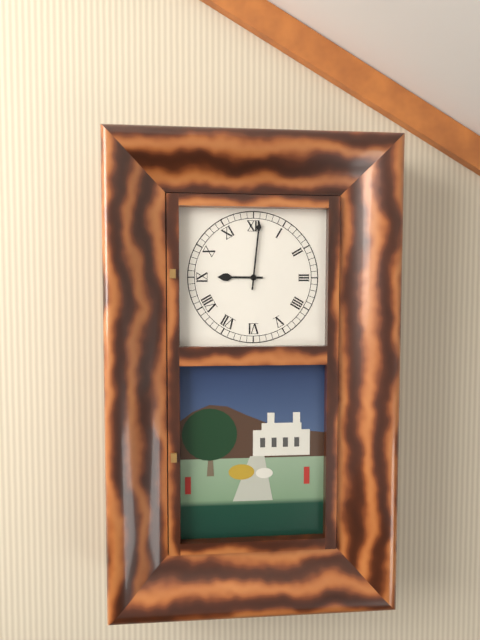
9:01
